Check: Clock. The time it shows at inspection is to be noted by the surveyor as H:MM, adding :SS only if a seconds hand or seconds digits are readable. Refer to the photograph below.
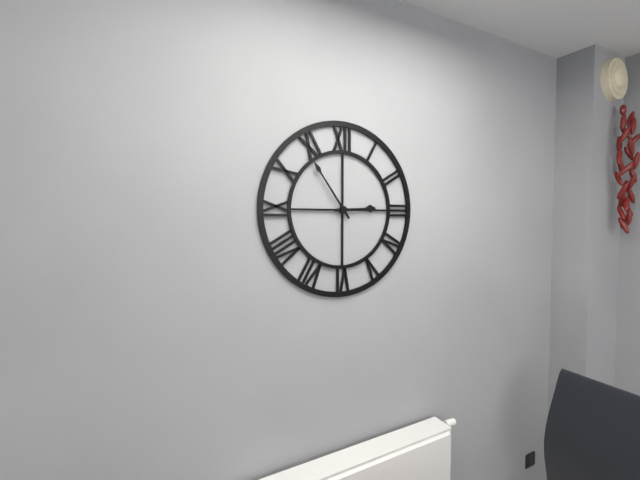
2:54
